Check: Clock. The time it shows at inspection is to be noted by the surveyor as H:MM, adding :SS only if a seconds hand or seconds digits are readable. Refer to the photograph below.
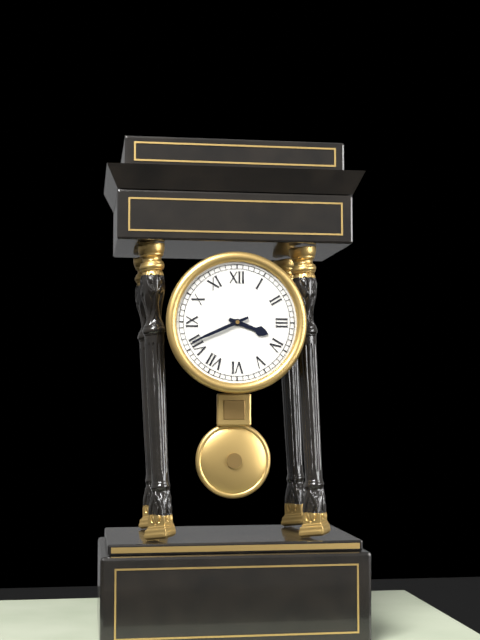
3:41
